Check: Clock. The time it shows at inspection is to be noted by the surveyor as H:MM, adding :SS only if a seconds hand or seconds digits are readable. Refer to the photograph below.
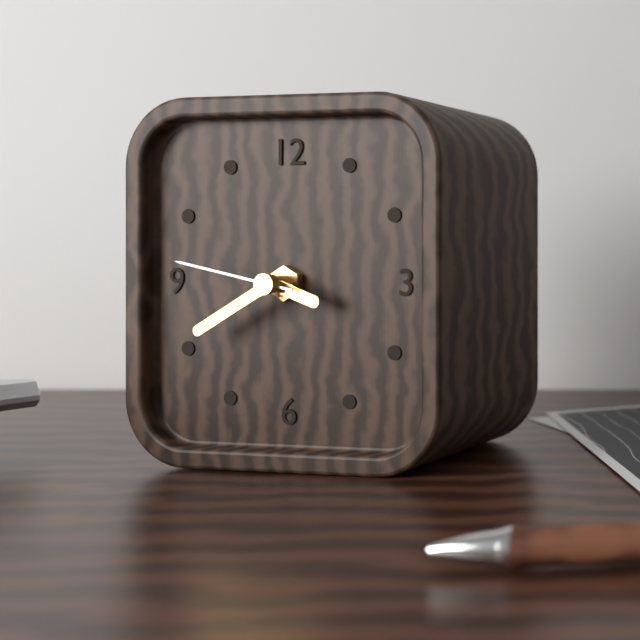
3:40:47
